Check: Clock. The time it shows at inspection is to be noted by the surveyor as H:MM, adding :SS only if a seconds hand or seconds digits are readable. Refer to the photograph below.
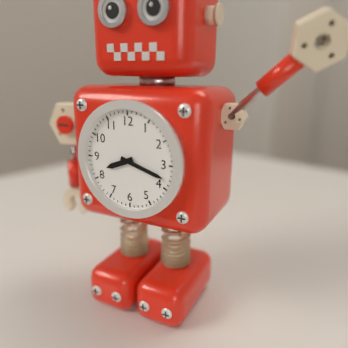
8:18
